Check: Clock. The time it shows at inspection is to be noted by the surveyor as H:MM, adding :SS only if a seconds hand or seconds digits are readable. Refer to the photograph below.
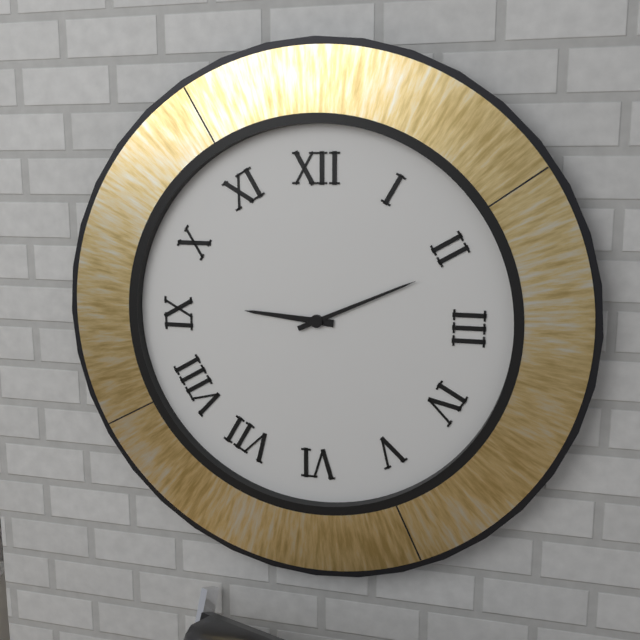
9:11
